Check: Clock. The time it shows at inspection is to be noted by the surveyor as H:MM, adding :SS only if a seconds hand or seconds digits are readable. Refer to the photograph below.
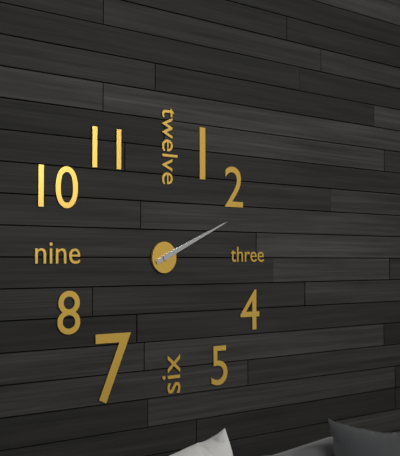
2:11
